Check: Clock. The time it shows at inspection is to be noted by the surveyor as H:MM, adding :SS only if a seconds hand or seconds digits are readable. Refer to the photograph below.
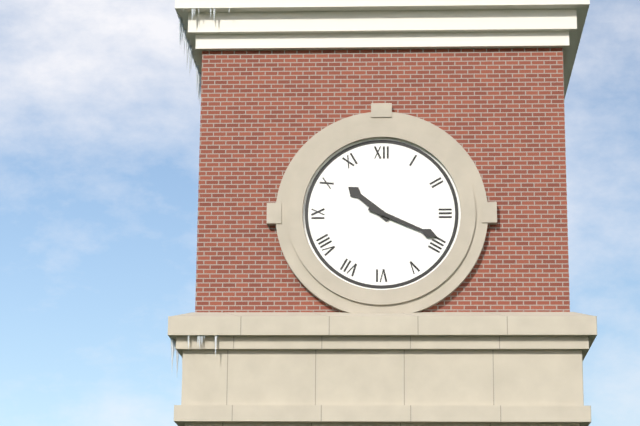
10:19
